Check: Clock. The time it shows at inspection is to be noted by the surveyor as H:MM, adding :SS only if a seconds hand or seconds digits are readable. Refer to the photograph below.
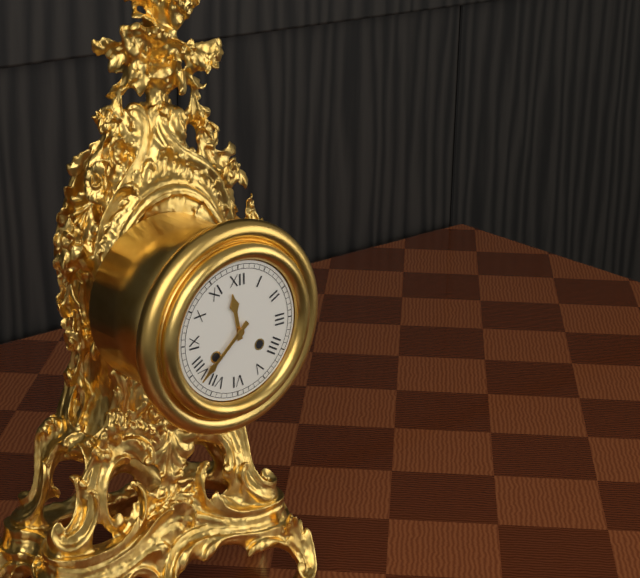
11:38
